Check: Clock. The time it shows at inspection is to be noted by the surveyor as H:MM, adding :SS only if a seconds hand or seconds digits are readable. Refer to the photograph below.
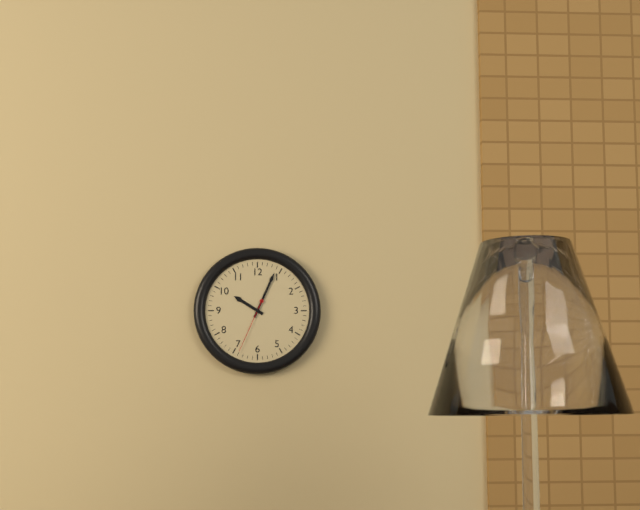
10:04:34
